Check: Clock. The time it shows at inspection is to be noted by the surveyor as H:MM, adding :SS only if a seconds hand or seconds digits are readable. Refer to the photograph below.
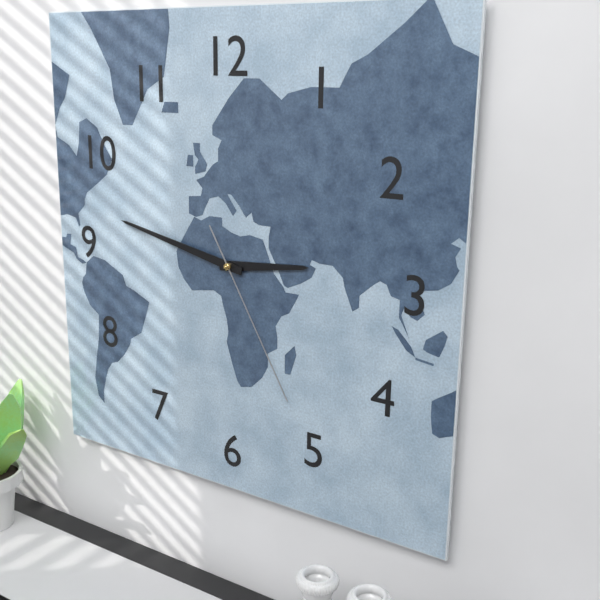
2:47:25
